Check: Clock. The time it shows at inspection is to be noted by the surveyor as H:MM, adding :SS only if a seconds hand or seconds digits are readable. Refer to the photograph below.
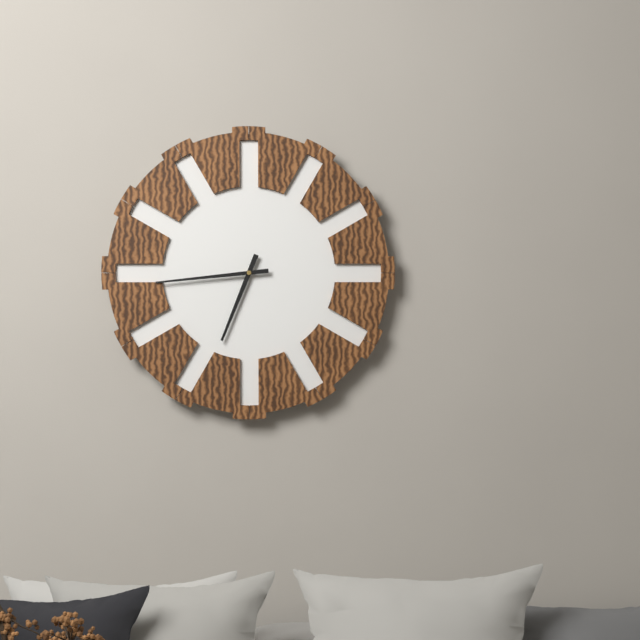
6:44
